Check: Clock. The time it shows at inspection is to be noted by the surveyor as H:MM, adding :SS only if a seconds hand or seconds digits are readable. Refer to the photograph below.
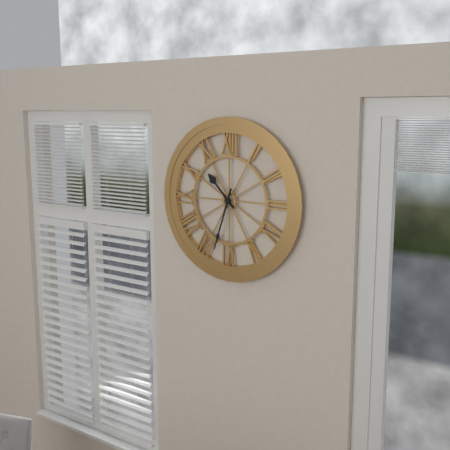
10:33
